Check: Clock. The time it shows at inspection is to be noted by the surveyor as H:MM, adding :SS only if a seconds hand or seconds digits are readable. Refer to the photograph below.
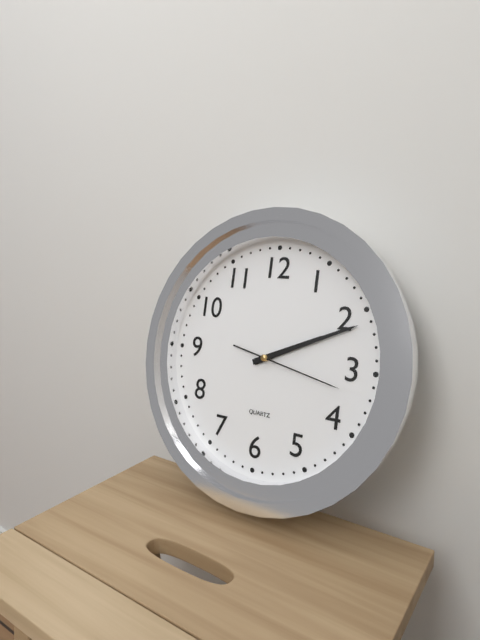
2:11:17
